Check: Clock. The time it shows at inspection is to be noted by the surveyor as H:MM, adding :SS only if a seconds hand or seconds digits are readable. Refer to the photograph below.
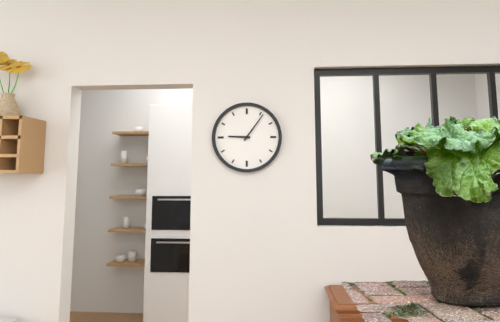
9:06
